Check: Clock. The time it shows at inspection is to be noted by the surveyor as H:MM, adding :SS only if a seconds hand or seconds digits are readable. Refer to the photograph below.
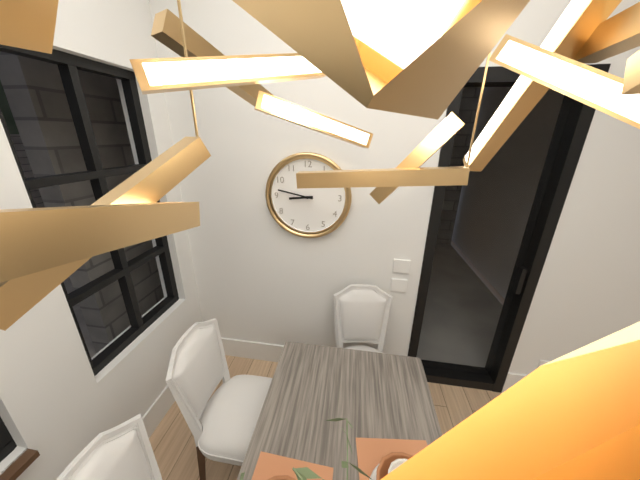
8:47
